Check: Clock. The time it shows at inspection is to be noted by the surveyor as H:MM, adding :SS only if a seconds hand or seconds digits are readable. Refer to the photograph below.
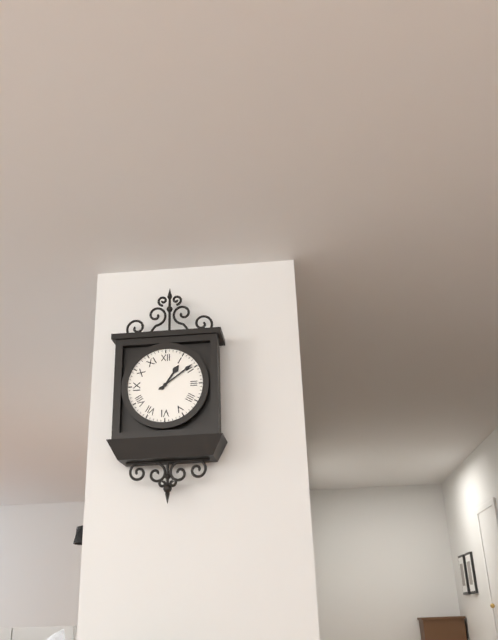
1:09
